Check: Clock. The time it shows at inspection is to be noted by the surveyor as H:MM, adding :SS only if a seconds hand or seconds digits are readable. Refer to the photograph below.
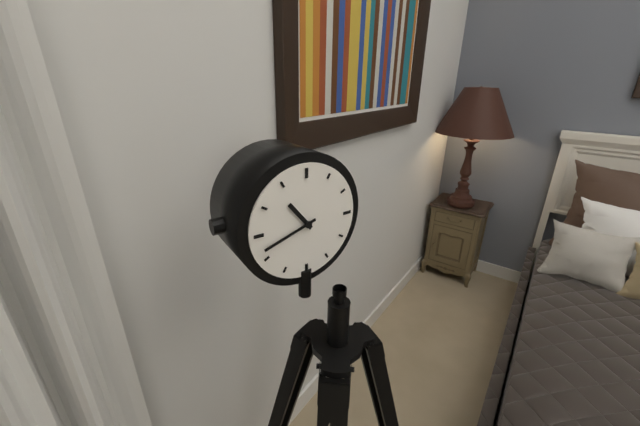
10:42
